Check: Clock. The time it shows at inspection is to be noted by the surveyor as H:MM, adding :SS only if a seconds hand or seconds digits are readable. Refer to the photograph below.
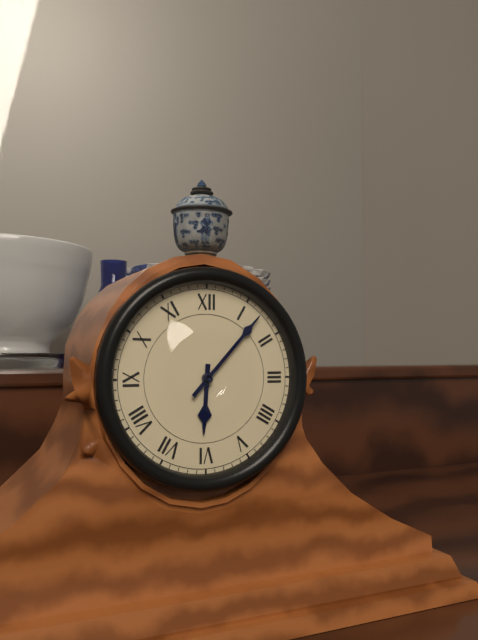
6:07
